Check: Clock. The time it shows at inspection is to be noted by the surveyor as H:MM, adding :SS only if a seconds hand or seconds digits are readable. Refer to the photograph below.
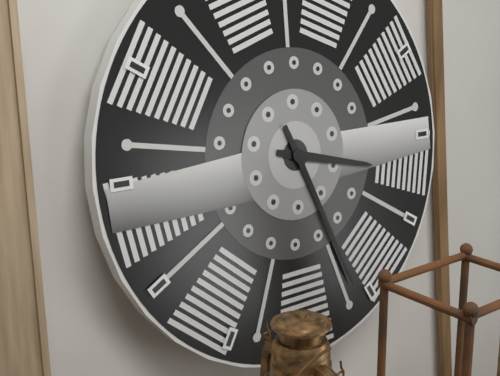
3:26
